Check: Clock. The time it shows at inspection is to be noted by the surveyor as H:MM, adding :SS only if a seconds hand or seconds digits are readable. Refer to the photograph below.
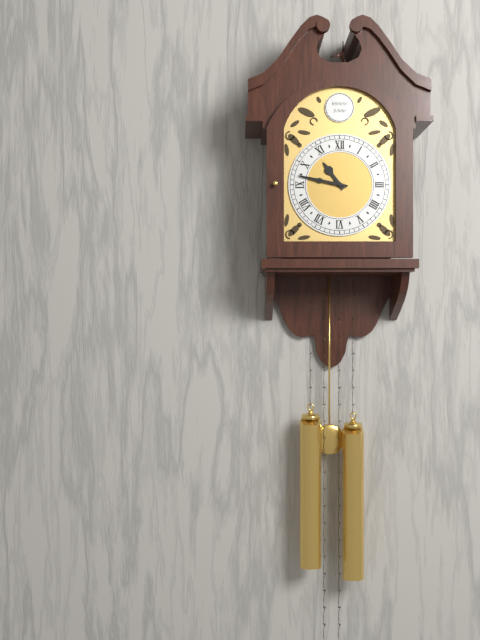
10:47
